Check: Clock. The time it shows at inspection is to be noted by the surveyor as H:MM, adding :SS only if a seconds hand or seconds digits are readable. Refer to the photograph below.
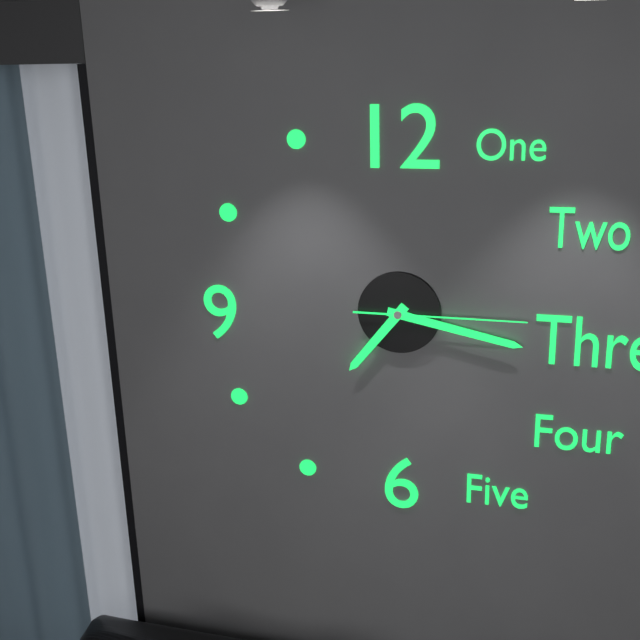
7:17:15
